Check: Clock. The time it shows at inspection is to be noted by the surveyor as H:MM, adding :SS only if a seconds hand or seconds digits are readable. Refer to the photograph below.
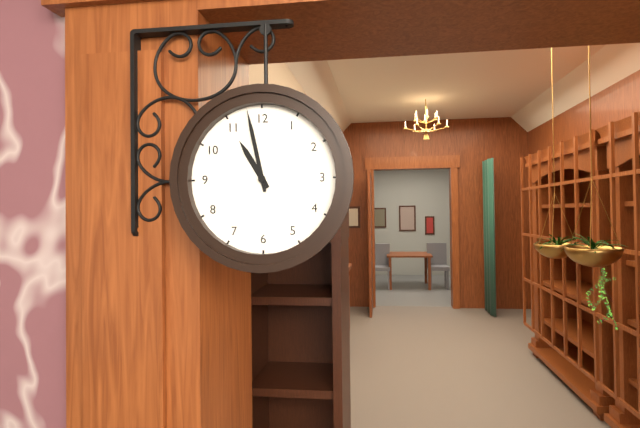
10:58
